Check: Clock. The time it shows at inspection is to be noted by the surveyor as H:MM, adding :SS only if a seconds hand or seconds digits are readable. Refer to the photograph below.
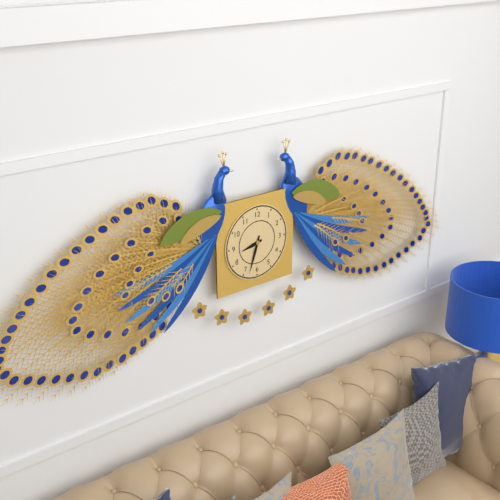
8:33
